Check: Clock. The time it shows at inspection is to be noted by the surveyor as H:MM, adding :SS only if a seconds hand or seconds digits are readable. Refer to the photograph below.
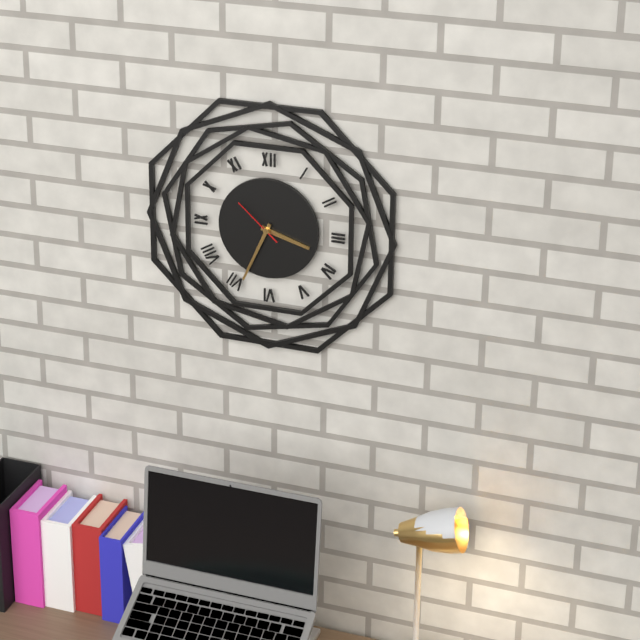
3:34:52
